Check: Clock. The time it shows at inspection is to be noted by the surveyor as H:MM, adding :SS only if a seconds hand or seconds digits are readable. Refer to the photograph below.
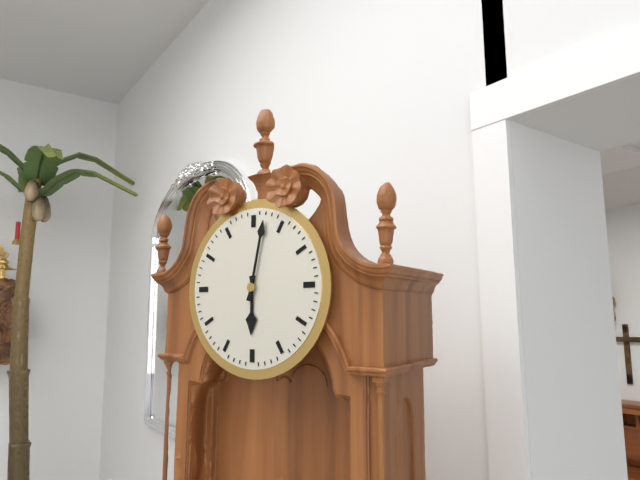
6:02
